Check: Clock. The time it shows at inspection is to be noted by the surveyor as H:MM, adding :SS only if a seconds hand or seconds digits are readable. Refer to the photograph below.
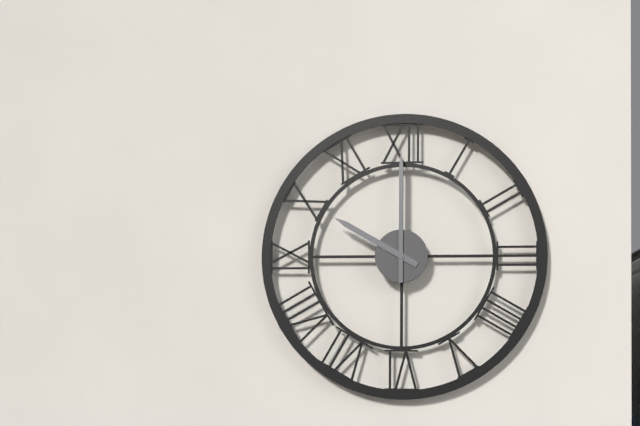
10:00
